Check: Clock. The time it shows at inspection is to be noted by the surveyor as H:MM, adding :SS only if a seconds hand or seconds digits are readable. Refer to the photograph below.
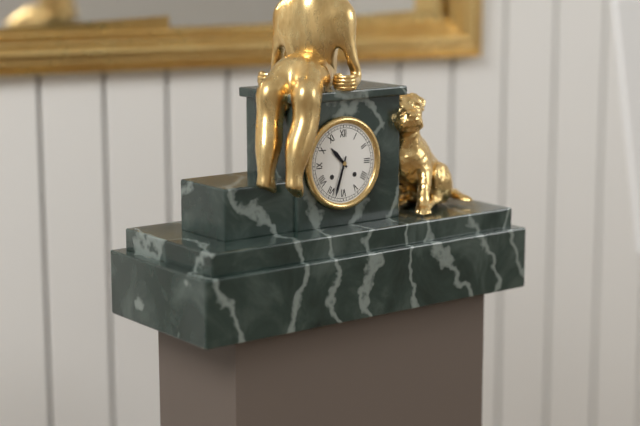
10:33
